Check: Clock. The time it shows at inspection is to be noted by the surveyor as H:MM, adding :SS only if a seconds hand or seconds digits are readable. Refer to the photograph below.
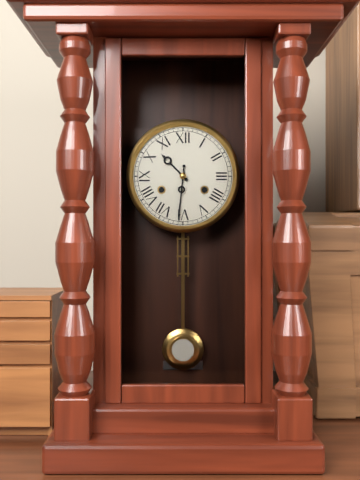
10:31
